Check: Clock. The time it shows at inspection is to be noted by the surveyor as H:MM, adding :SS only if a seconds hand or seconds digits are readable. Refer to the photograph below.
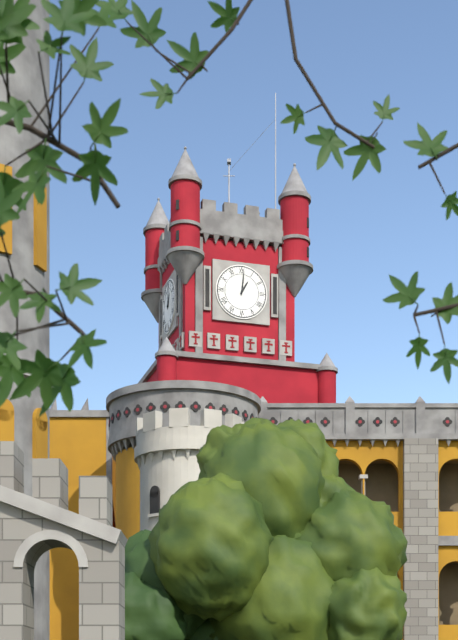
1:01
